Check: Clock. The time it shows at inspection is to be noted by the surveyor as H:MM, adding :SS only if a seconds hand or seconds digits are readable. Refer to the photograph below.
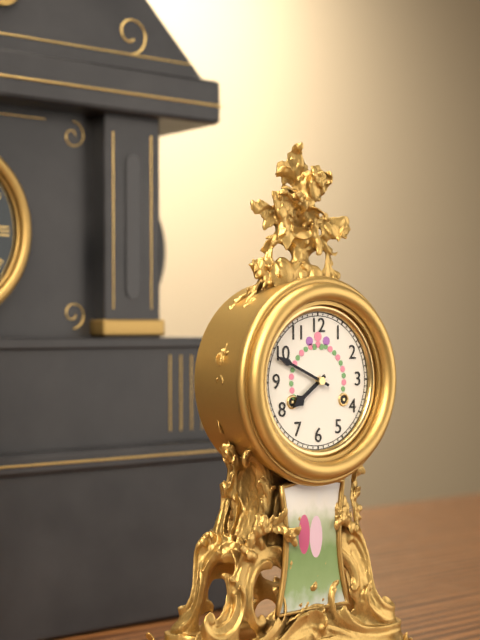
7:49
